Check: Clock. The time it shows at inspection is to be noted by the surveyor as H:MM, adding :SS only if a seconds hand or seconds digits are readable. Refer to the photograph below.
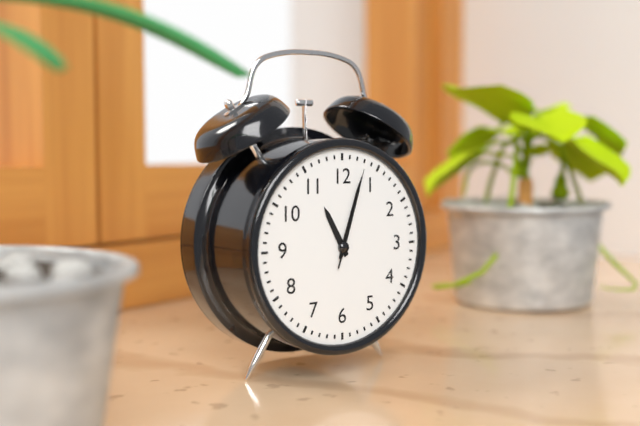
11:03:03
